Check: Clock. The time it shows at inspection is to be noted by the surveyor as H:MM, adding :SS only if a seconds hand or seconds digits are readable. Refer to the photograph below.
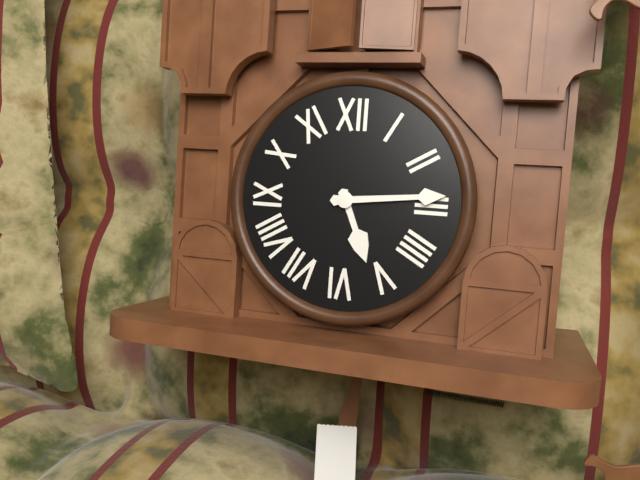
5:14
